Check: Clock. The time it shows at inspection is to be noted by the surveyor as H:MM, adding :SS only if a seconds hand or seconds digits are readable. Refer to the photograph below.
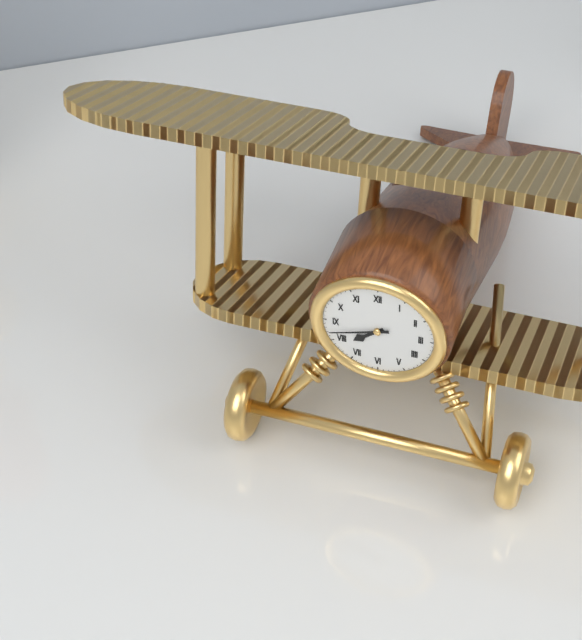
7:42
